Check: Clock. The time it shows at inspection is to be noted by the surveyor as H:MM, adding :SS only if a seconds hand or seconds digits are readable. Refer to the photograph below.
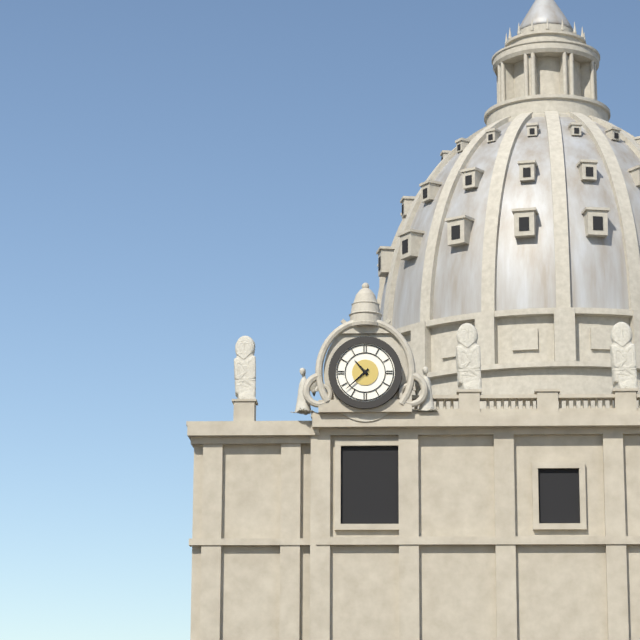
10:38
